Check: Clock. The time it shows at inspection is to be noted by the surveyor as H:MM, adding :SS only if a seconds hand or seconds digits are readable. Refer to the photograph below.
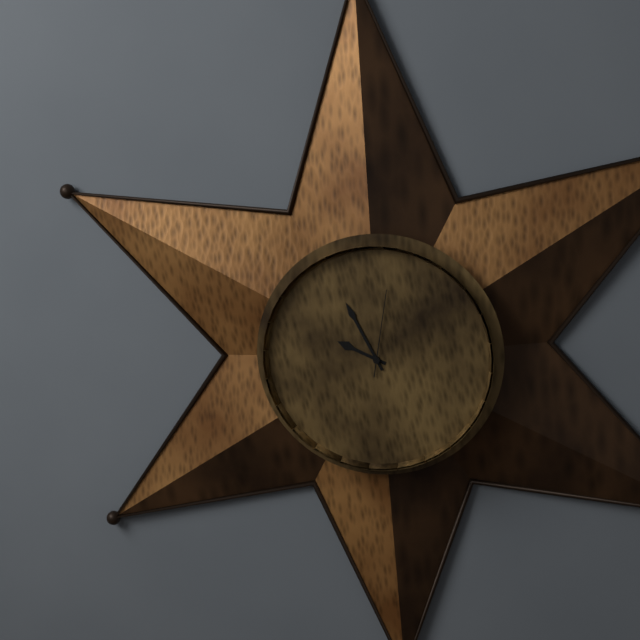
9:56:02
